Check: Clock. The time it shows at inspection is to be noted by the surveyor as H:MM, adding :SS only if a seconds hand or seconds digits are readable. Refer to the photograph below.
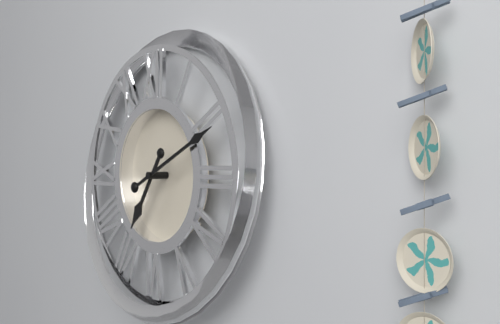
7:11
